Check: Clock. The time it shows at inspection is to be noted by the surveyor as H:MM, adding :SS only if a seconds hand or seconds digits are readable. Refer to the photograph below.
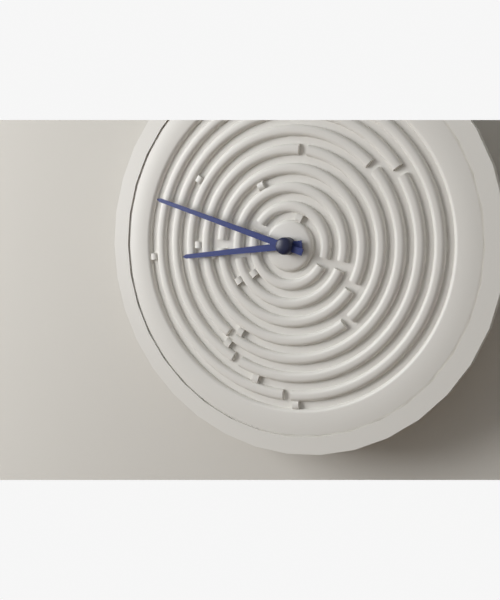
8:48
